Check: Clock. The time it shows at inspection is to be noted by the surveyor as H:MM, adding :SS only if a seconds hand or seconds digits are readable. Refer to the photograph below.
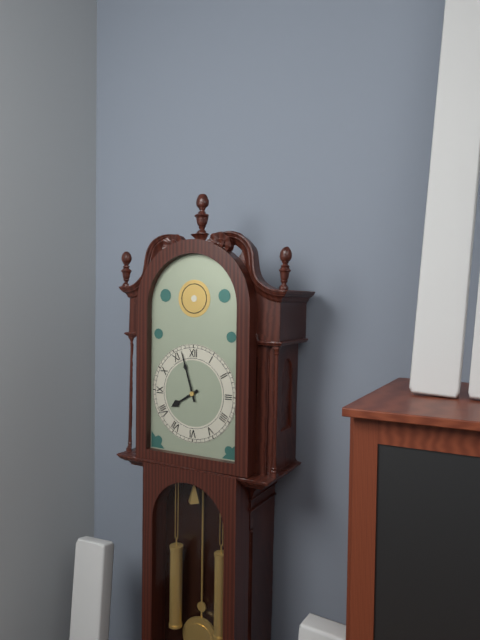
7:57
